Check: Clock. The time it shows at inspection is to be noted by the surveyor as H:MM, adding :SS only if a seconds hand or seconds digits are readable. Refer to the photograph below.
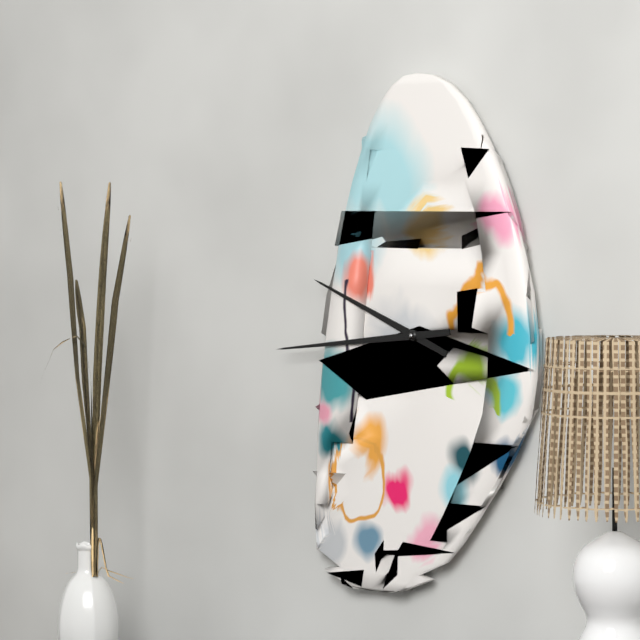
9:44
